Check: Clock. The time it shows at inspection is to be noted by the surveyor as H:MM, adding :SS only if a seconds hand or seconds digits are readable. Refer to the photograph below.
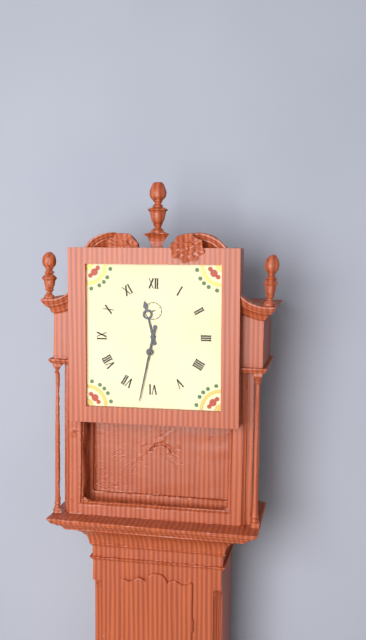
11:32
